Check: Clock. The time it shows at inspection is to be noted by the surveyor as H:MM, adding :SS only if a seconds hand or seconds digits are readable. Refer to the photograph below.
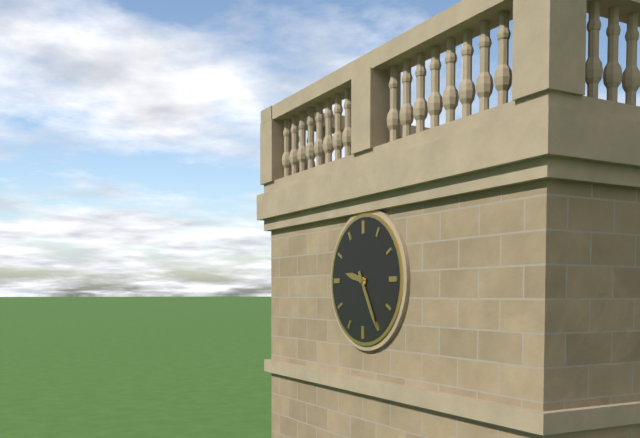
9:25
